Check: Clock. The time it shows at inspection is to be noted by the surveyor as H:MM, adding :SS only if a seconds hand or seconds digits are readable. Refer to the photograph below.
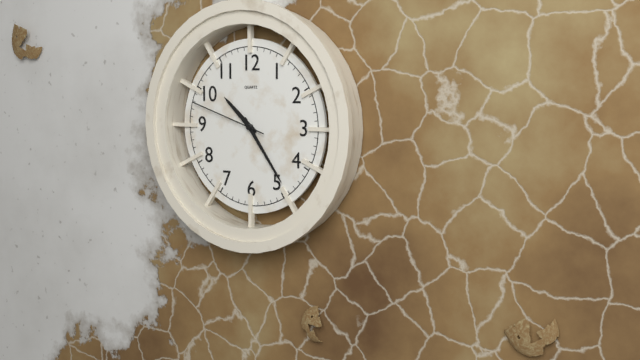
10:24:48
